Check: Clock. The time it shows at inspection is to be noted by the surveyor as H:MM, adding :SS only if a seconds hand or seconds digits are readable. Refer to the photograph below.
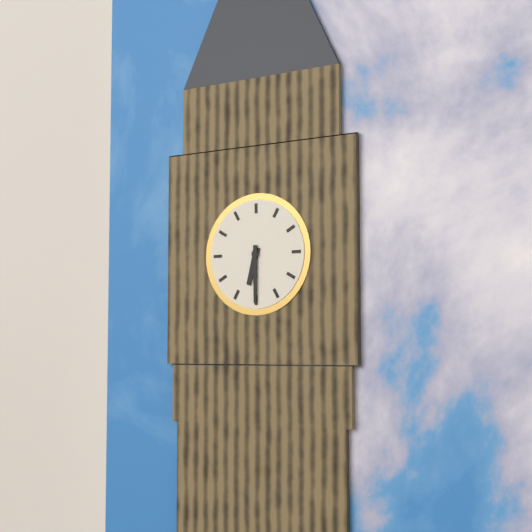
6:30
